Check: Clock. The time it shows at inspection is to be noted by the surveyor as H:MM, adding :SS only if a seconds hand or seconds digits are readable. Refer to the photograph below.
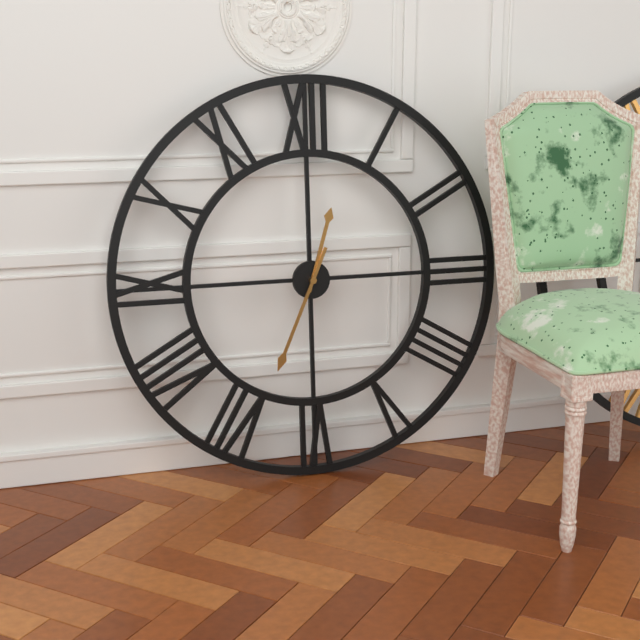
12:34
